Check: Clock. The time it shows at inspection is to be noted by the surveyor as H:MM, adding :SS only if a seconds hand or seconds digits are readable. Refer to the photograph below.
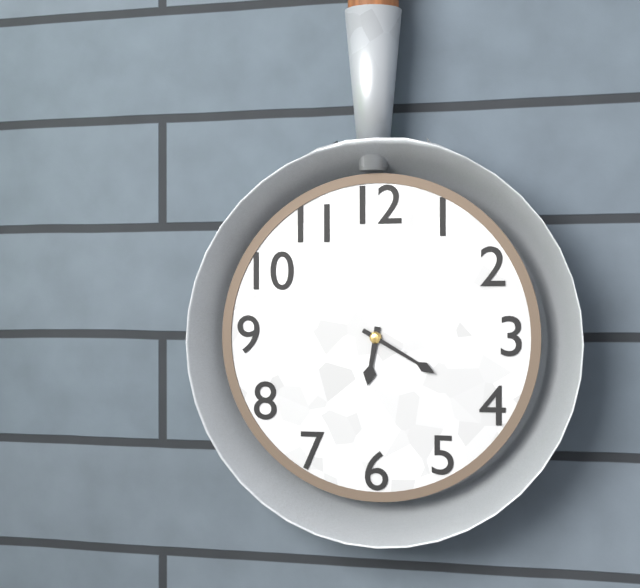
6:20
